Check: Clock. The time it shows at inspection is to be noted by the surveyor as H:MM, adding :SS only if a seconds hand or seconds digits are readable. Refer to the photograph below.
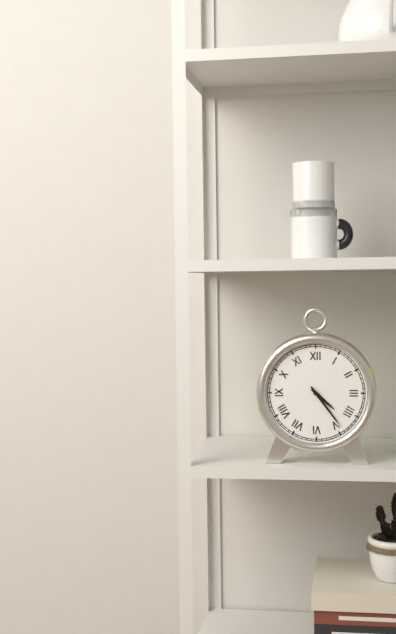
4:24
